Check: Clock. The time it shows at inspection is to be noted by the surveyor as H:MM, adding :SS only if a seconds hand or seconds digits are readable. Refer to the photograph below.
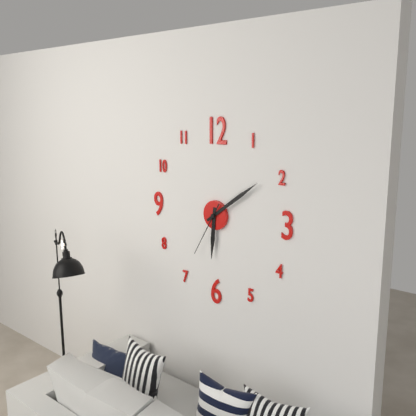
6:09:35
